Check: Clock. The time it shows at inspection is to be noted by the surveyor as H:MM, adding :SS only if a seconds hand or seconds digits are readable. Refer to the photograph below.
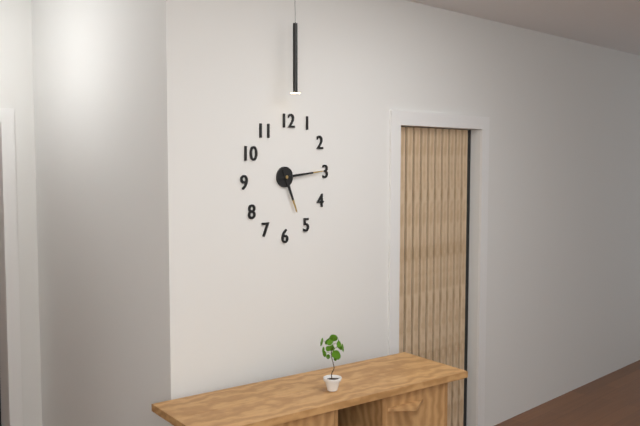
5:14
